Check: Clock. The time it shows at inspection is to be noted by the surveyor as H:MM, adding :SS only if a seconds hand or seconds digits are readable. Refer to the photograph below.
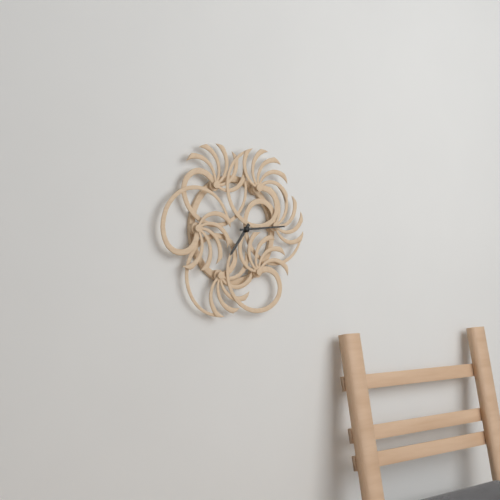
7:14
